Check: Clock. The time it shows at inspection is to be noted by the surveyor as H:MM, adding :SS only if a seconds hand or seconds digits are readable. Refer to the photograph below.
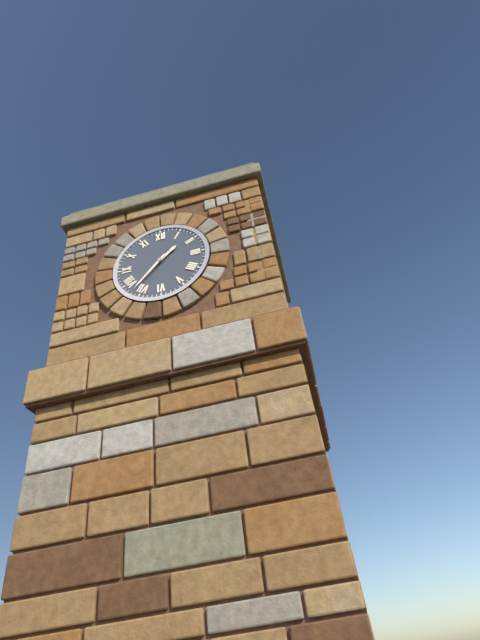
1:37
